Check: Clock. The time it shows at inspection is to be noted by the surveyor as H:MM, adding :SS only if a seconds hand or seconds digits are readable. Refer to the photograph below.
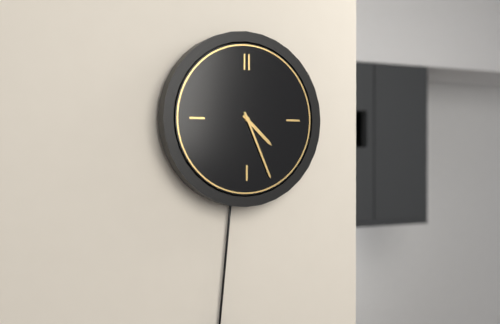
4:26
